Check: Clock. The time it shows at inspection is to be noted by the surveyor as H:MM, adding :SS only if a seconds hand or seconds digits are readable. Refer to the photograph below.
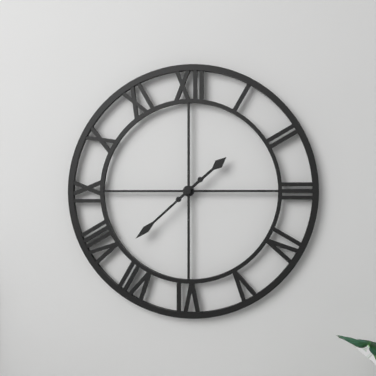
1:38
